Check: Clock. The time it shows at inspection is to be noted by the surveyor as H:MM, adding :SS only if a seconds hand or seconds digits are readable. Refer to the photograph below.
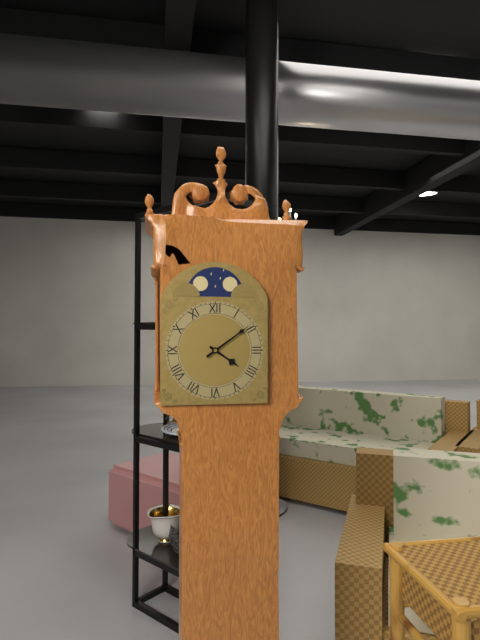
4:09
